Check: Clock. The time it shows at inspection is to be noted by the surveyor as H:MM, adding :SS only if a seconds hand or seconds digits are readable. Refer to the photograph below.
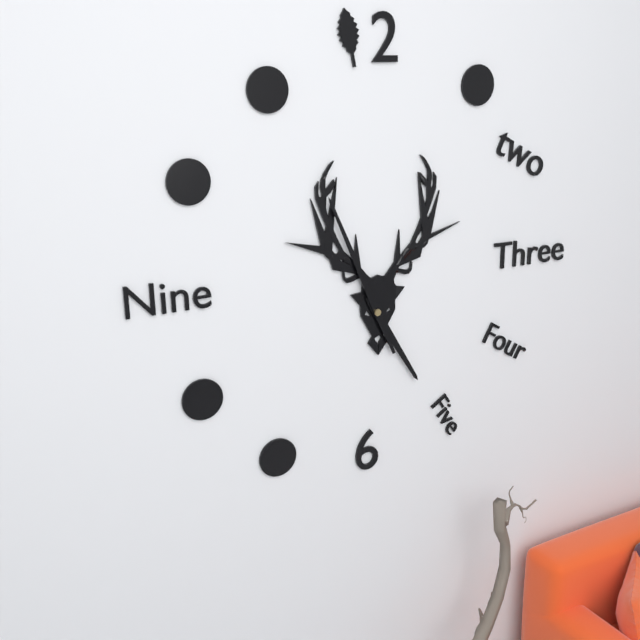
4:56
